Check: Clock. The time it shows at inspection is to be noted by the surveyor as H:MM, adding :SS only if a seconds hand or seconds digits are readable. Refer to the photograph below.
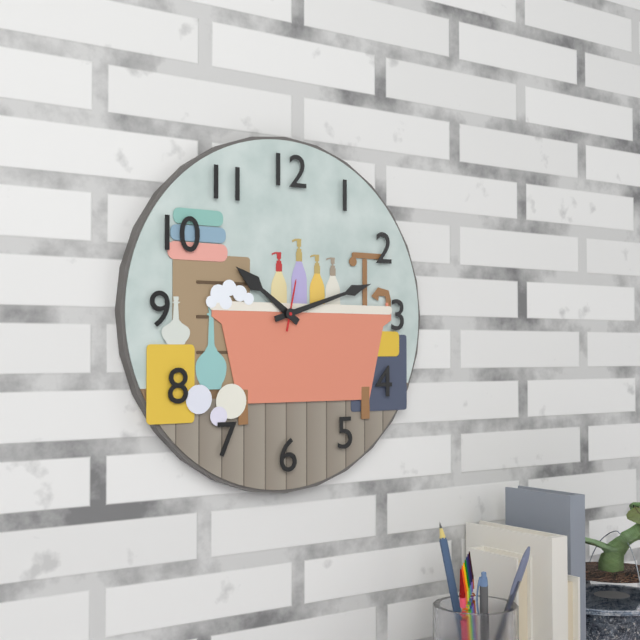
10:12
